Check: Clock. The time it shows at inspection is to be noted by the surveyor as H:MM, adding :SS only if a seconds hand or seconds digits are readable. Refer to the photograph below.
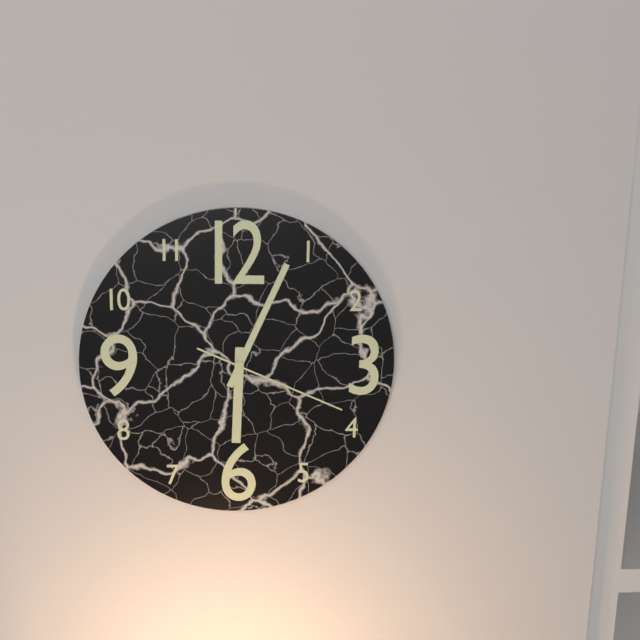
6:04:19
